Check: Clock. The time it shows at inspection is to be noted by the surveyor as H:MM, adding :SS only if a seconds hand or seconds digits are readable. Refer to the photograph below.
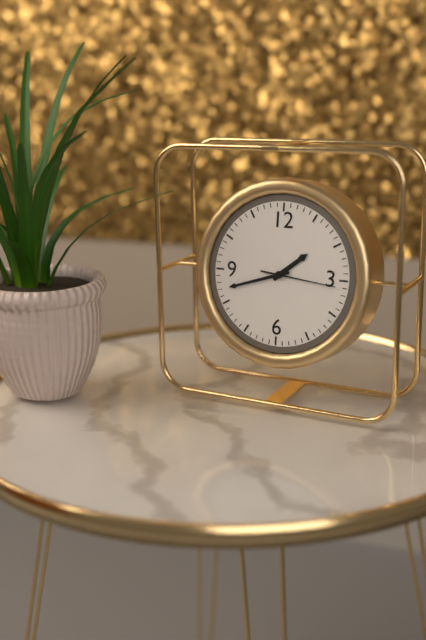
1:42:16
